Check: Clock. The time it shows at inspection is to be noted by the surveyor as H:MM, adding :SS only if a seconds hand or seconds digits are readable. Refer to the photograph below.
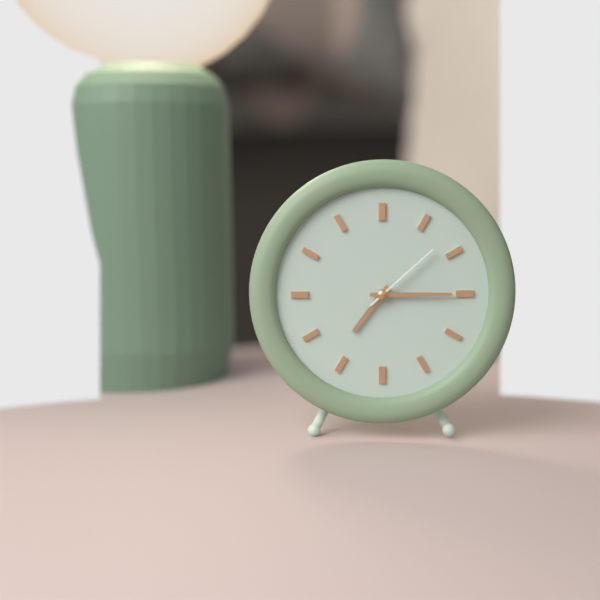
7:15:08
